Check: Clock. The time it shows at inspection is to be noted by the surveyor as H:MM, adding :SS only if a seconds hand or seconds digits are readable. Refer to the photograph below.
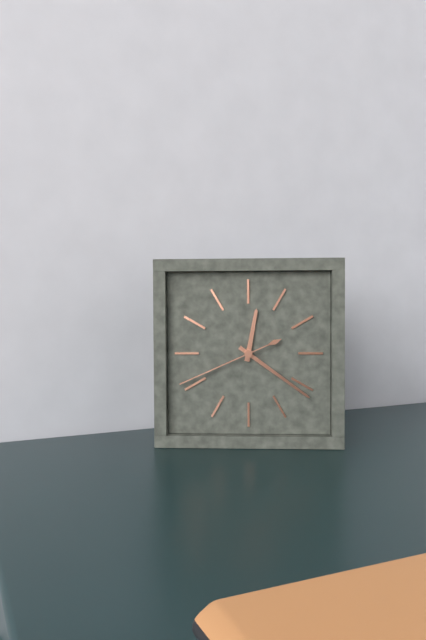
12:21:41
